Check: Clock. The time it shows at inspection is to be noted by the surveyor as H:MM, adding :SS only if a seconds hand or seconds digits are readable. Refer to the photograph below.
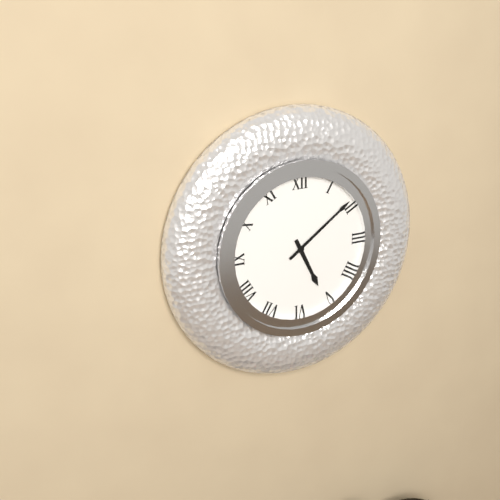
5:09
